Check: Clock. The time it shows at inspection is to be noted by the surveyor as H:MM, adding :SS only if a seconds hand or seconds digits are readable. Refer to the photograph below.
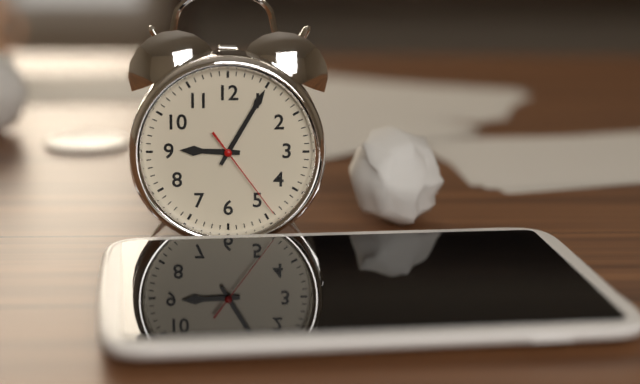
9:05:24
